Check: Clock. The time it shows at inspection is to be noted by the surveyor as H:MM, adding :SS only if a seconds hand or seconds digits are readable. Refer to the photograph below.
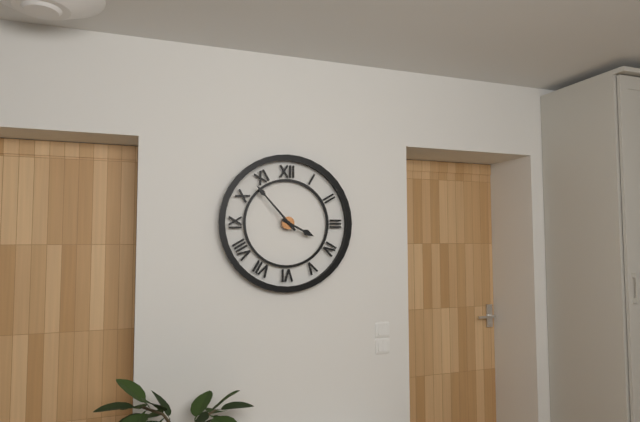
3:53
